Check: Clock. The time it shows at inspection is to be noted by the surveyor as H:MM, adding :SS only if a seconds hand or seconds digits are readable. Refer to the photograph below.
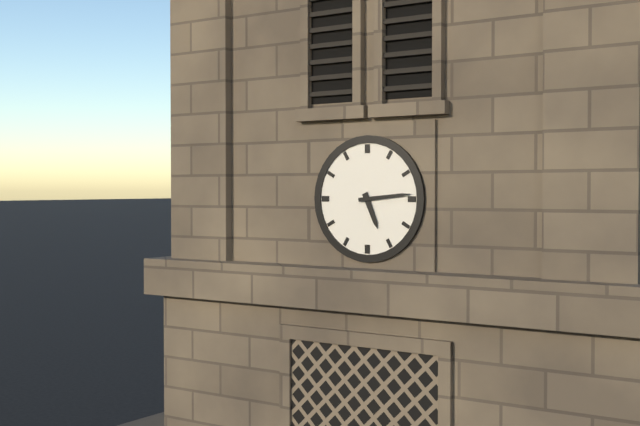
5:14
